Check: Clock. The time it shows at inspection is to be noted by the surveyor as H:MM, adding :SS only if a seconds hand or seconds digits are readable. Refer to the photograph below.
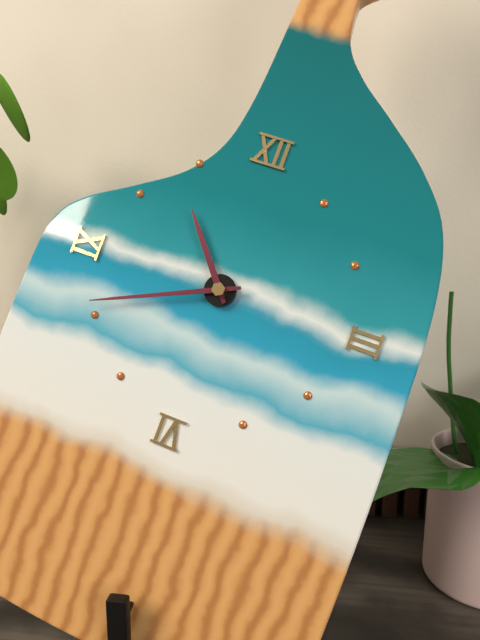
10:41
